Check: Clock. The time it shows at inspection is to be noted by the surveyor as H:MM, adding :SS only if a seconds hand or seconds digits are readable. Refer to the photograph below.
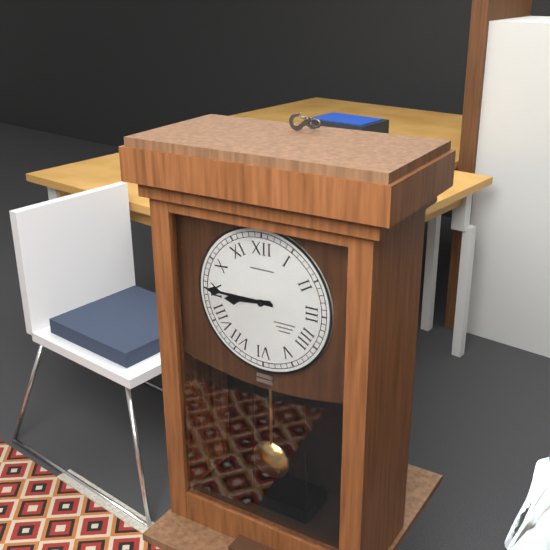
8:45
